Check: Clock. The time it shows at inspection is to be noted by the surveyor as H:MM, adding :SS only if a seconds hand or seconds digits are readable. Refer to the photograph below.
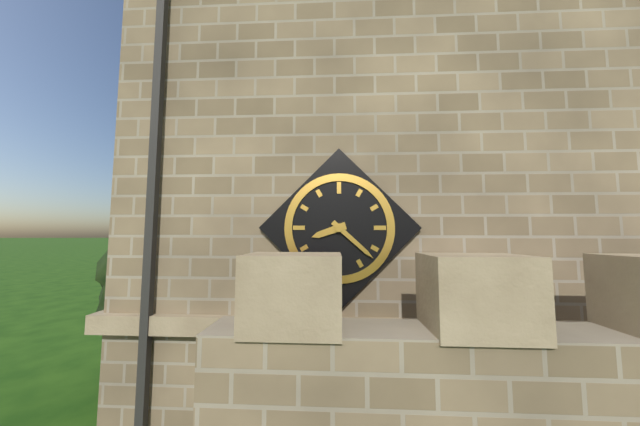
8:22
